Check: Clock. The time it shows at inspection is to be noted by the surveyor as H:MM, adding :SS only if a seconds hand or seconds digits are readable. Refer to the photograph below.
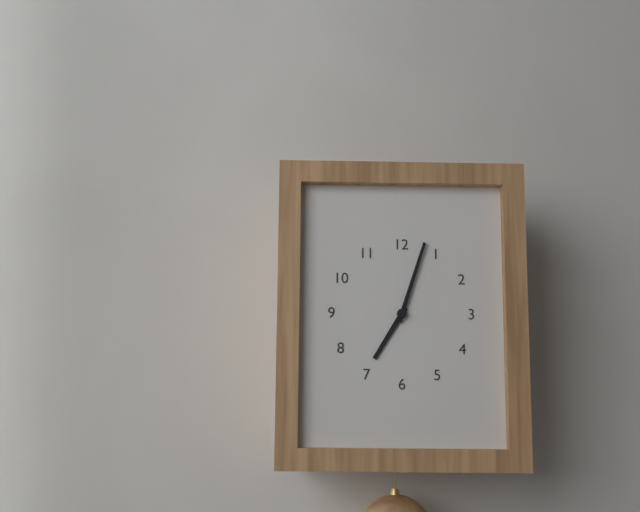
7:03
